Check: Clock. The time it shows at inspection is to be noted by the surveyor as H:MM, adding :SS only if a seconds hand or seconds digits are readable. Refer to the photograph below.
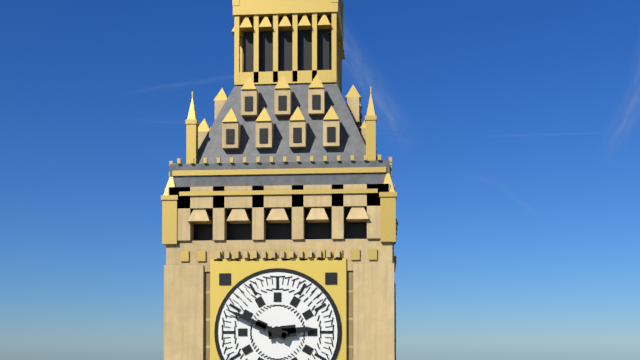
2:49
